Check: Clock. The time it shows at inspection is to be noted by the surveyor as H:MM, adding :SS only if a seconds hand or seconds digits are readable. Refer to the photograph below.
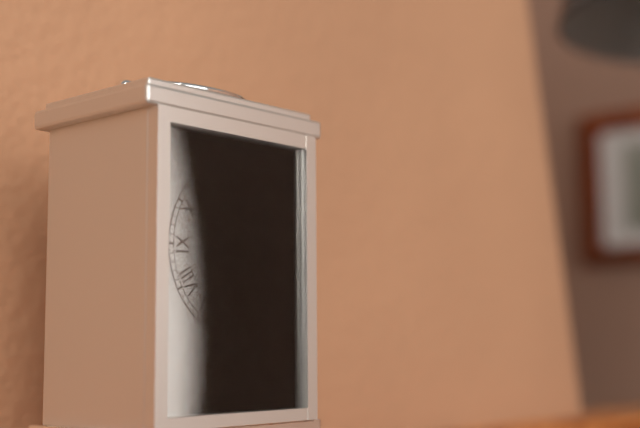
3:21
